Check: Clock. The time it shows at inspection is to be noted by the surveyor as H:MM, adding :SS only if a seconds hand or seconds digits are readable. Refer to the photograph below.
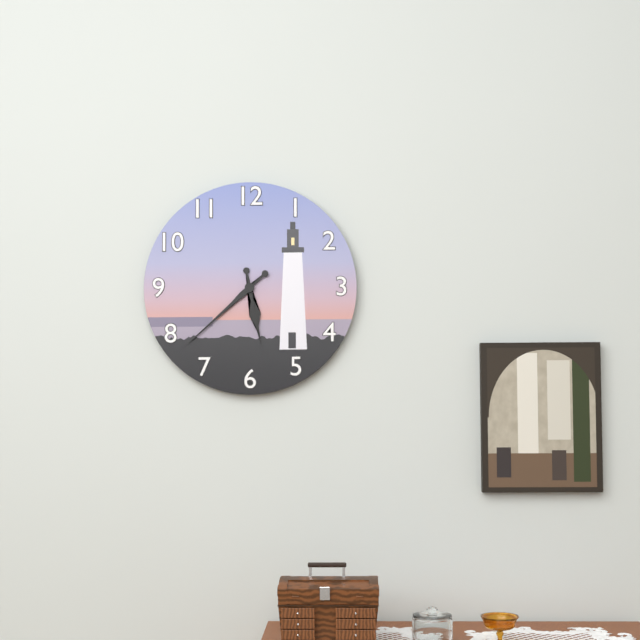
5:38
